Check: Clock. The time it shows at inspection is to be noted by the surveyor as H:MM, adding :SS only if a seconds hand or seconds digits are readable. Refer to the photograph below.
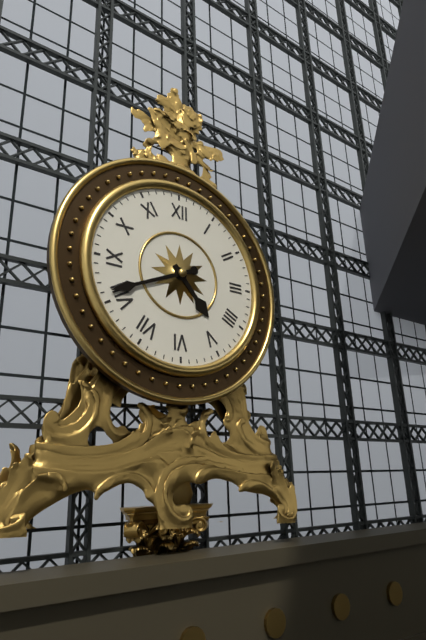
4:41
